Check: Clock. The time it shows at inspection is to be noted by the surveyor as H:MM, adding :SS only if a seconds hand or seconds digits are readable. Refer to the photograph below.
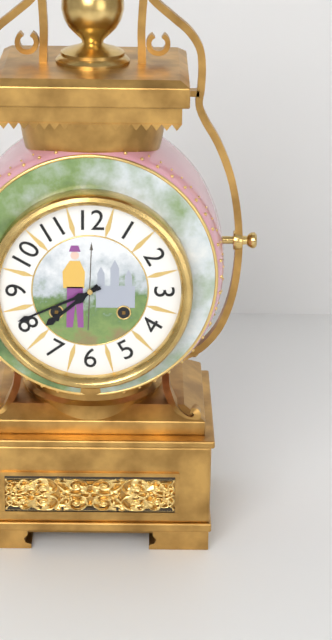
7:41
